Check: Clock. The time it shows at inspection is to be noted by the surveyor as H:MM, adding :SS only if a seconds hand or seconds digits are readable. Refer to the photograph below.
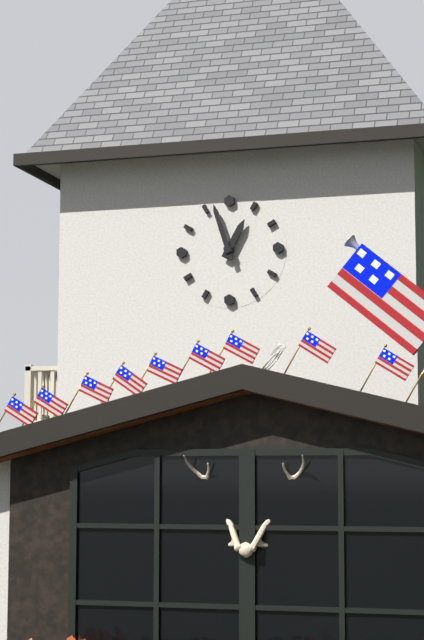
12:57
